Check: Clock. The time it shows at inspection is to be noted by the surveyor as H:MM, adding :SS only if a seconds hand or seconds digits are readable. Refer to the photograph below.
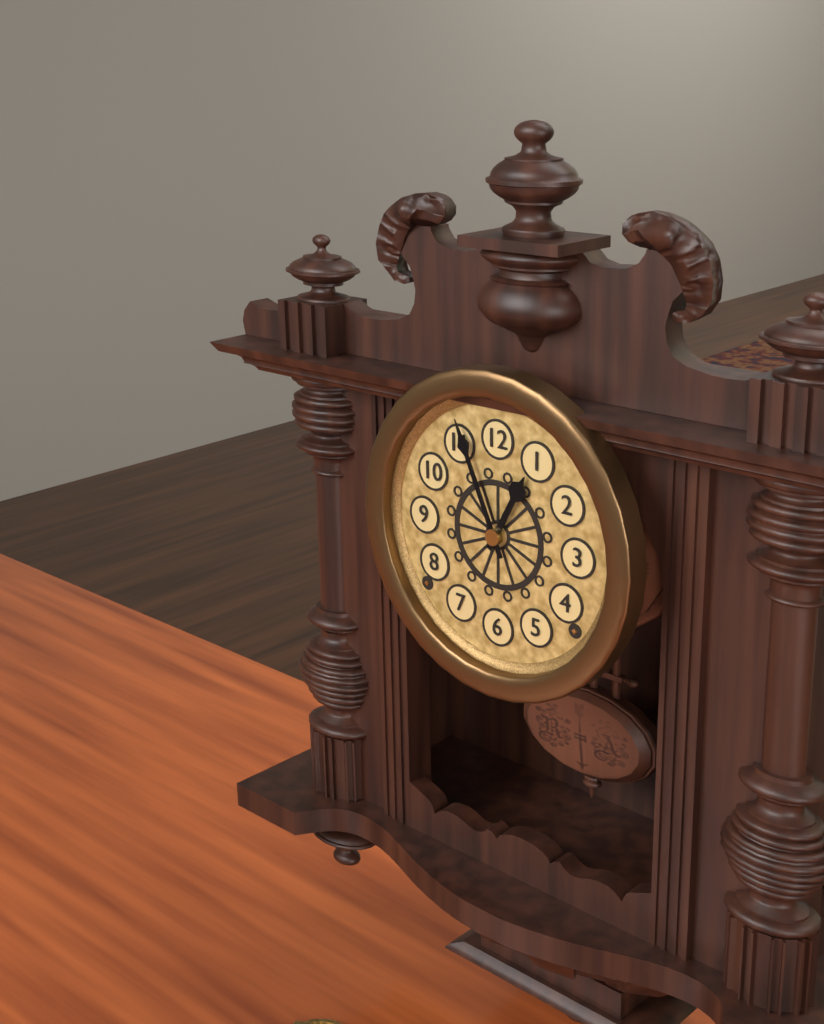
12:56
